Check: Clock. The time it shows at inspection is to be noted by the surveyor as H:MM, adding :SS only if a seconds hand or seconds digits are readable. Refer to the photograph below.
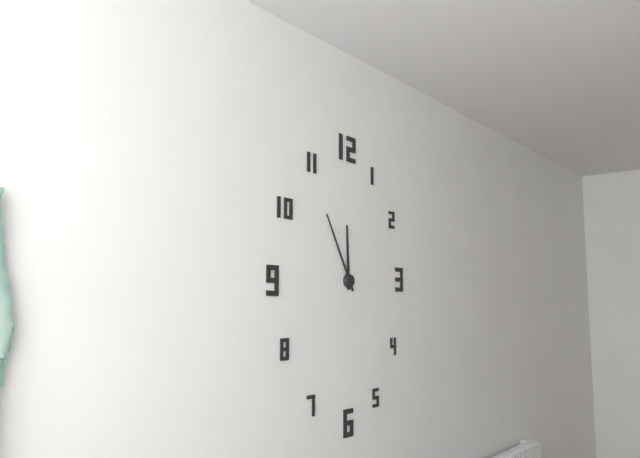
11:55
